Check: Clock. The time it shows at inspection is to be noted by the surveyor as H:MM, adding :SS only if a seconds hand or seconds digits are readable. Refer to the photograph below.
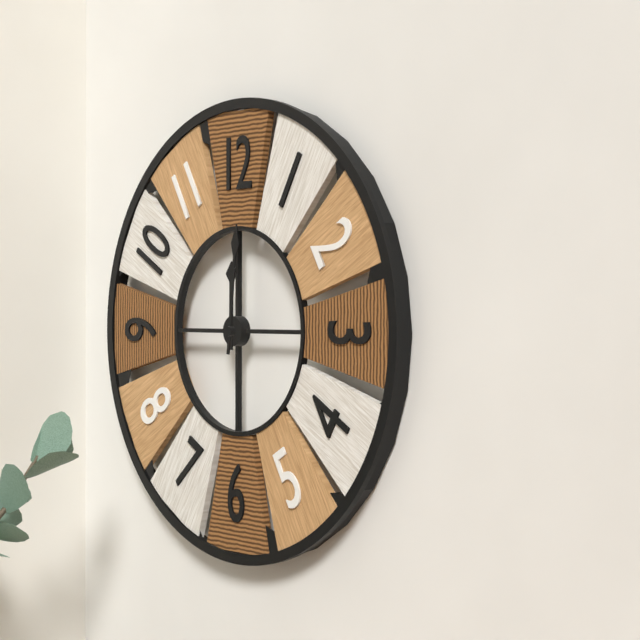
12:01
